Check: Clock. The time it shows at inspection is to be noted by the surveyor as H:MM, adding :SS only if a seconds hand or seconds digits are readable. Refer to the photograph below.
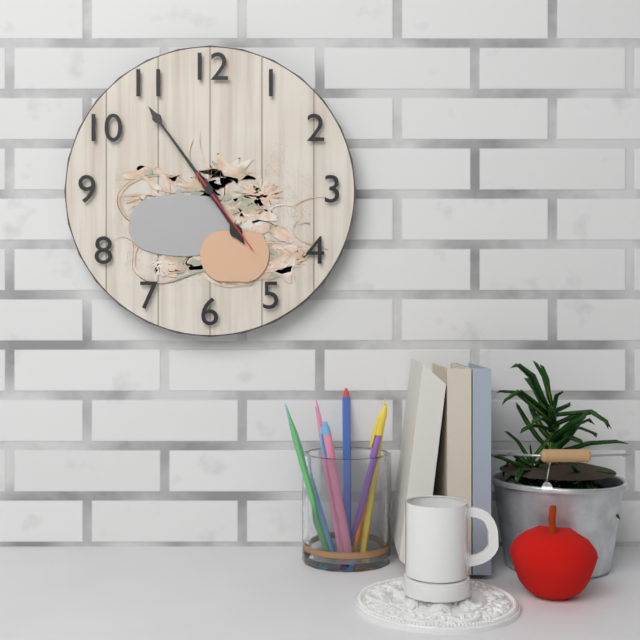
4:54:24
